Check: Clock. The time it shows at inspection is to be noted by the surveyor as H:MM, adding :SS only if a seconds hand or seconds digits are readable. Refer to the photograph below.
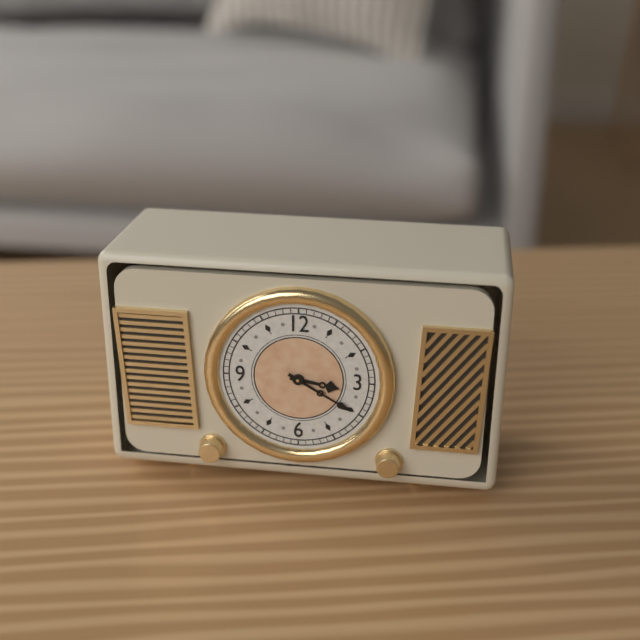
3:20
